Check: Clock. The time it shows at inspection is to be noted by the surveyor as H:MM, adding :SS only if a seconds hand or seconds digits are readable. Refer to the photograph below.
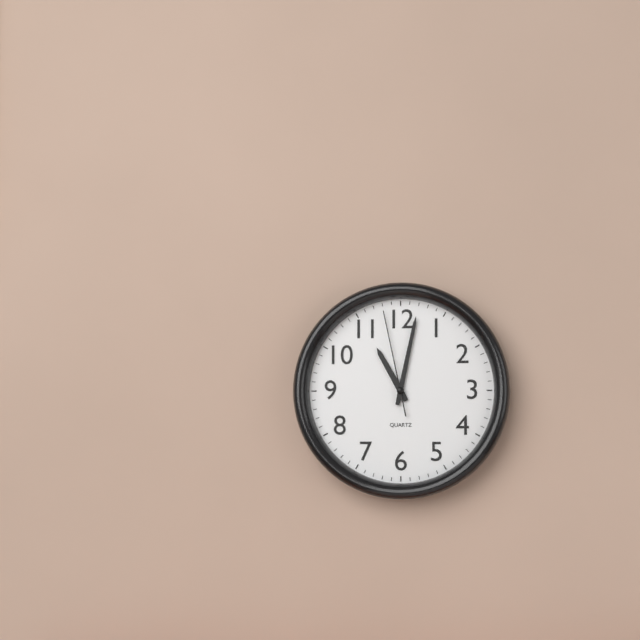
11:02:58
